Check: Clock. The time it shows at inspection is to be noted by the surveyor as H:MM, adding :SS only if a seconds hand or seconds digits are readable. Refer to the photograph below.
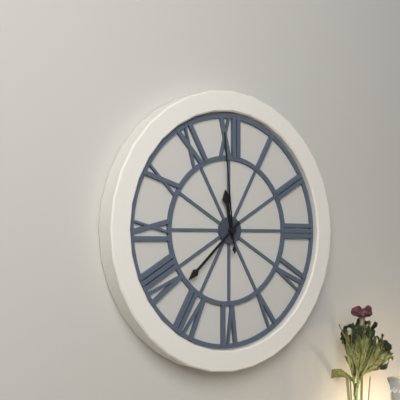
11:38:59
